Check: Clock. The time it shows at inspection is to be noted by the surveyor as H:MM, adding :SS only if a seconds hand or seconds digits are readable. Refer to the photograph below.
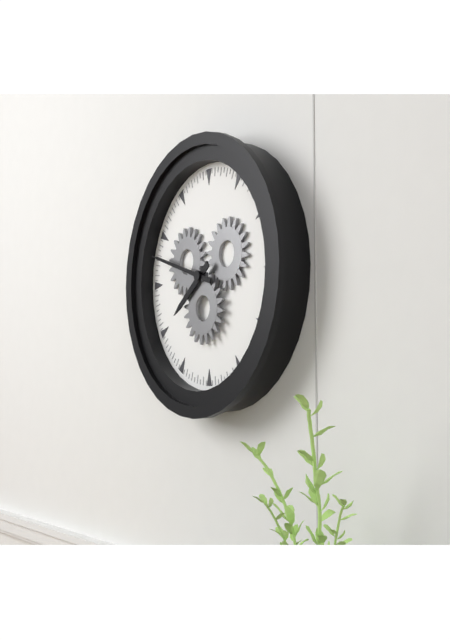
7:48
